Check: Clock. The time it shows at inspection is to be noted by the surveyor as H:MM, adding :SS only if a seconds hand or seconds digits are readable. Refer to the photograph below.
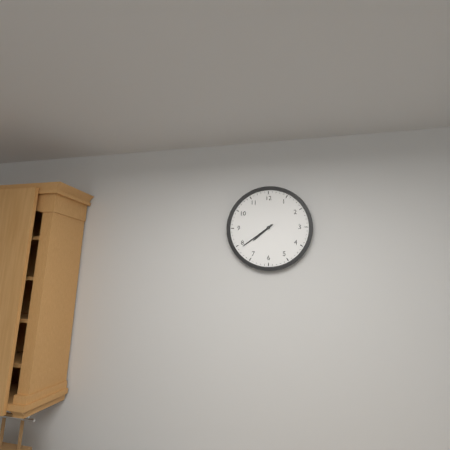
7:39
